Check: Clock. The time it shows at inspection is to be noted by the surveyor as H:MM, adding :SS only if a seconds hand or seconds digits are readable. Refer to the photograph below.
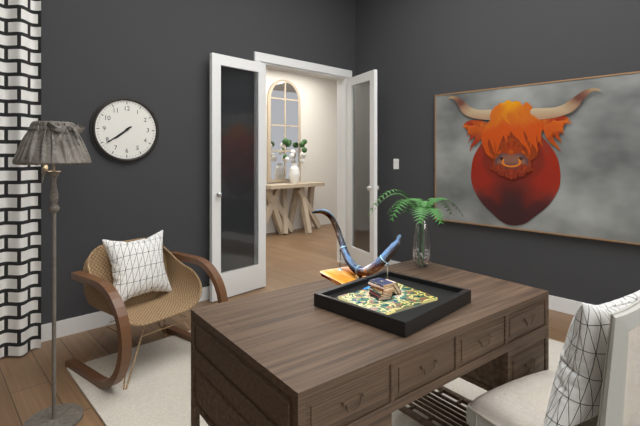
7:39
